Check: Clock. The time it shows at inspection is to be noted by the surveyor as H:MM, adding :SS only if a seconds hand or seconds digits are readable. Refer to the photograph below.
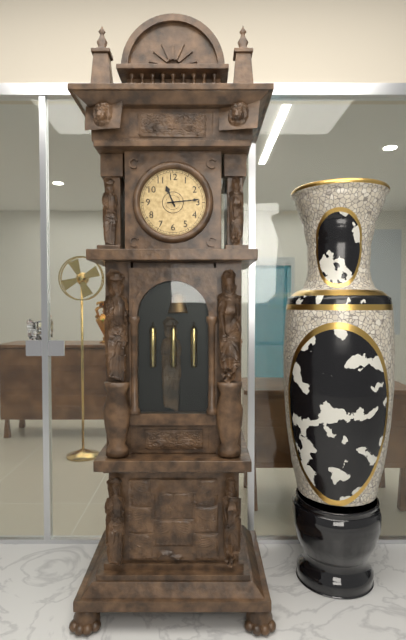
11:14
